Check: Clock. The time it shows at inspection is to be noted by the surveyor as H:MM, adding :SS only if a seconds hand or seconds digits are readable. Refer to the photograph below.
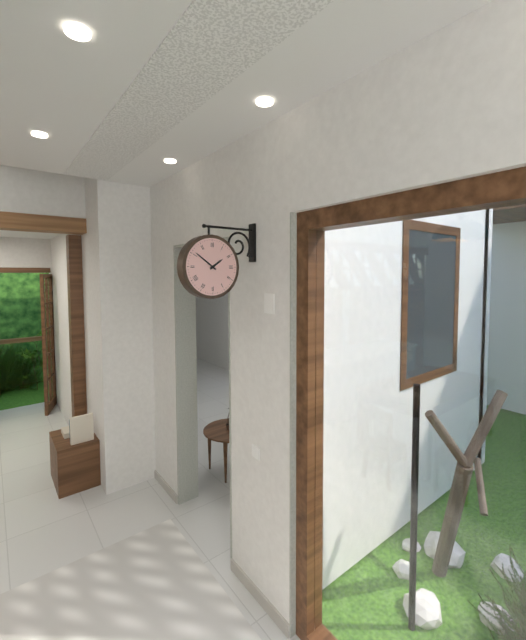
1:51
